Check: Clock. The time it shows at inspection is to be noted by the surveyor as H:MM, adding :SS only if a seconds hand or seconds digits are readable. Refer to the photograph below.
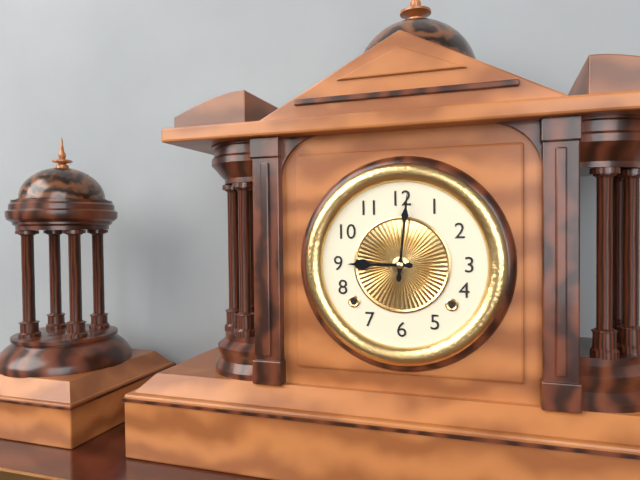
9:01
